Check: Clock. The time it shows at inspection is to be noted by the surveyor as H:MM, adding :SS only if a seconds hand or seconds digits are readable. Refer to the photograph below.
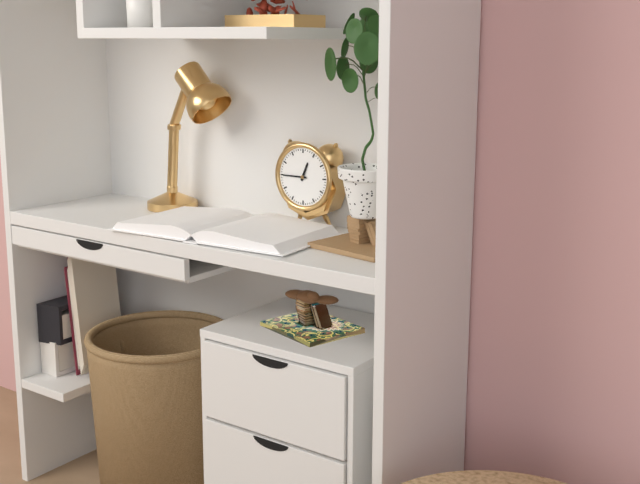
12:45
